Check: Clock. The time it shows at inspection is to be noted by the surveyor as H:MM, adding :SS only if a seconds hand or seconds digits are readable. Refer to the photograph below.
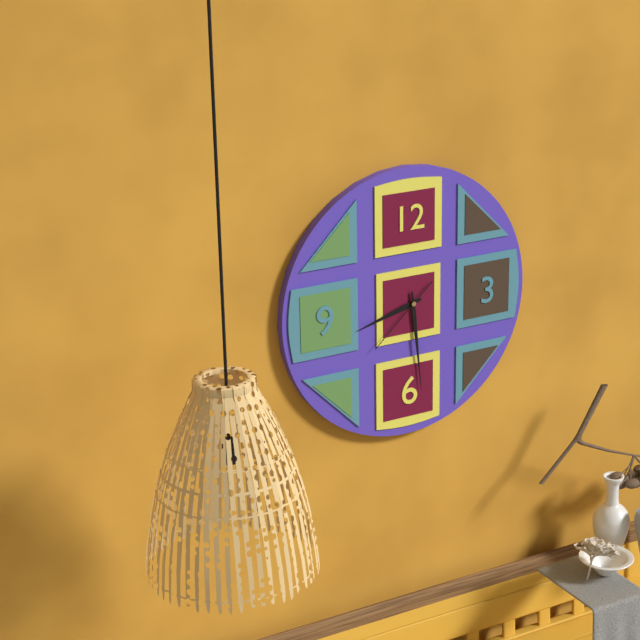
8:29:38
